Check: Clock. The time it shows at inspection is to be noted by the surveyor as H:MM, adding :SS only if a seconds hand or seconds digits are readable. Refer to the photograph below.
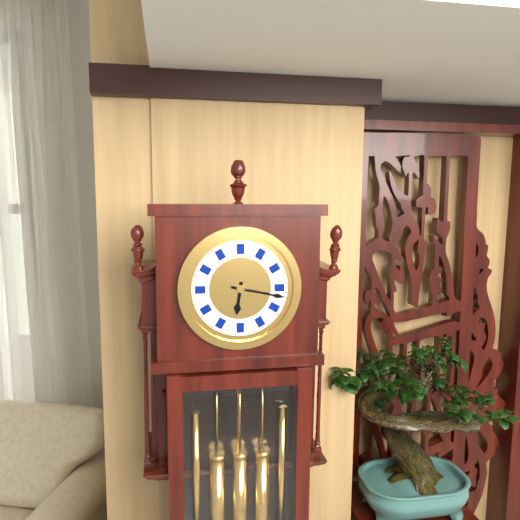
6:17
